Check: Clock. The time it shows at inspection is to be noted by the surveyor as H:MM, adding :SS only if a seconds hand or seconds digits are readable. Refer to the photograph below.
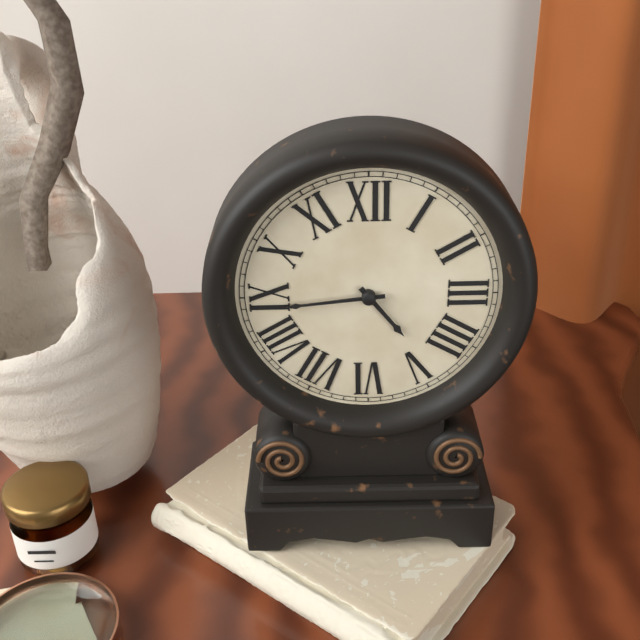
4:44
